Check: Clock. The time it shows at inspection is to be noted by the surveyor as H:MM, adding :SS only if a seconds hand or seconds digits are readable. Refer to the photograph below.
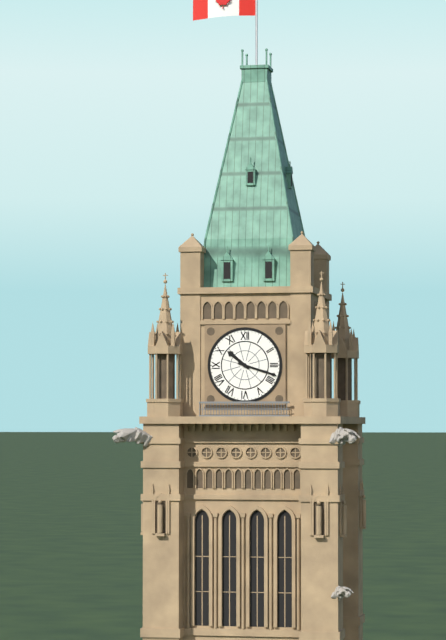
10:18
